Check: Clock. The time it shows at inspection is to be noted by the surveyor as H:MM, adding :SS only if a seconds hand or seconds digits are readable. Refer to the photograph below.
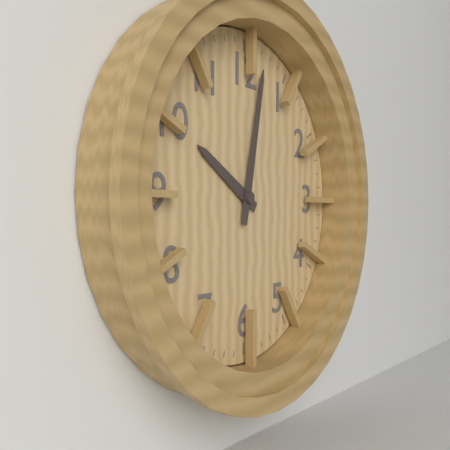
10:02
